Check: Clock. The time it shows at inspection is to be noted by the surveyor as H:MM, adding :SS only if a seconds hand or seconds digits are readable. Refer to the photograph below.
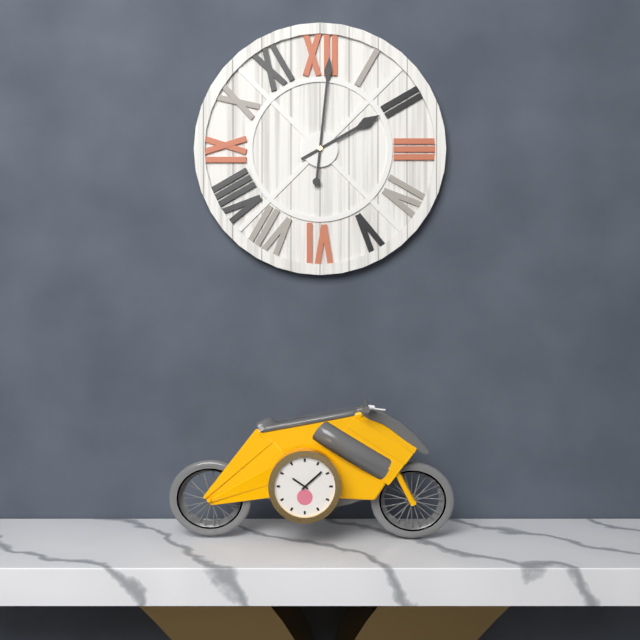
2:01
